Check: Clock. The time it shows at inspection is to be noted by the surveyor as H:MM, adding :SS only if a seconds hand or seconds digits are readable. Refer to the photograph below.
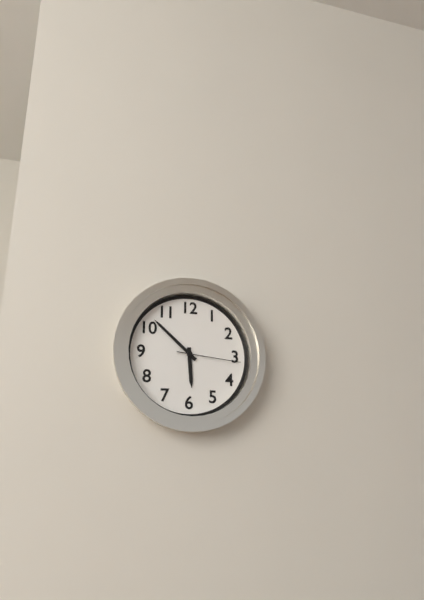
5:52:16
